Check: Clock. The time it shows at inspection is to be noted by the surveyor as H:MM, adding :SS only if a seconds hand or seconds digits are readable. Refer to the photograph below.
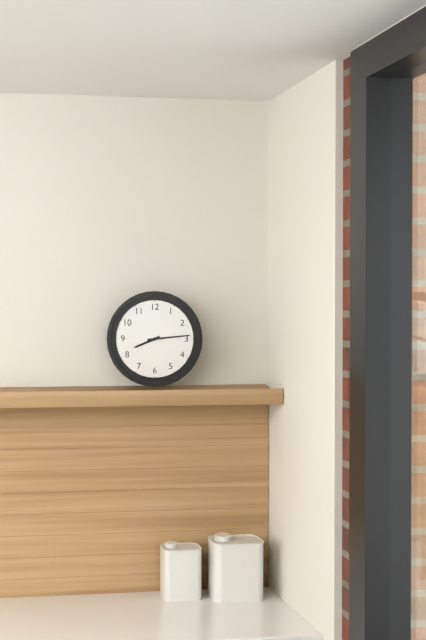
8:14
